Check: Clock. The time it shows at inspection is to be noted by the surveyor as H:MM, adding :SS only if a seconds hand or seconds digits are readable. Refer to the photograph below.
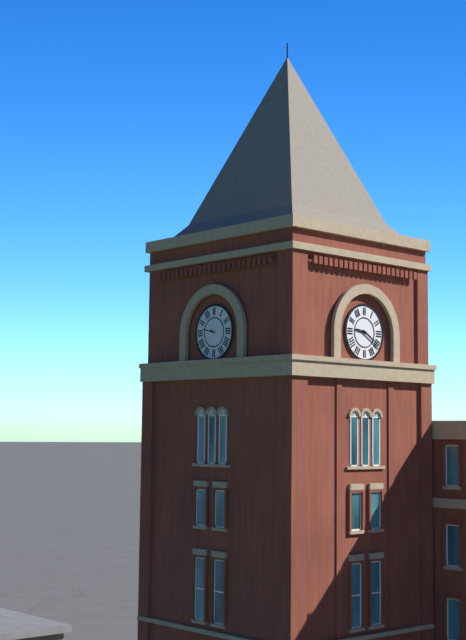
9:20
